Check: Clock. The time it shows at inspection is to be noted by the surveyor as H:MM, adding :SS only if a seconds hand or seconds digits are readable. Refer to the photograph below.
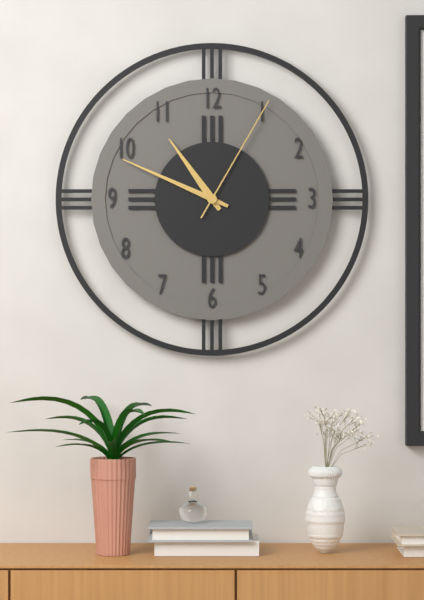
10:49:05
